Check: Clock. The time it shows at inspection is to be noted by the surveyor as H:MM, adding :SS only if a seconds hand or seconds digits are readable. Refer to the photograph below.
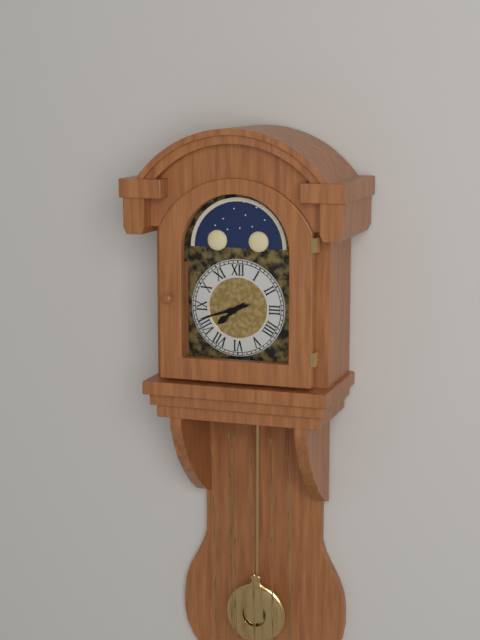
7:42
